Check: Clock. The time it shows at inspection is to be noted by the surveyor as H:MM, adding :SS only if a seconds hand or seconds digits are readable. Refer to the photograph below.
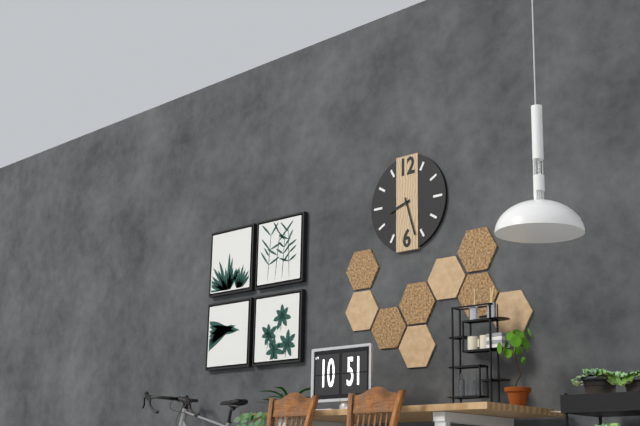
8:27
